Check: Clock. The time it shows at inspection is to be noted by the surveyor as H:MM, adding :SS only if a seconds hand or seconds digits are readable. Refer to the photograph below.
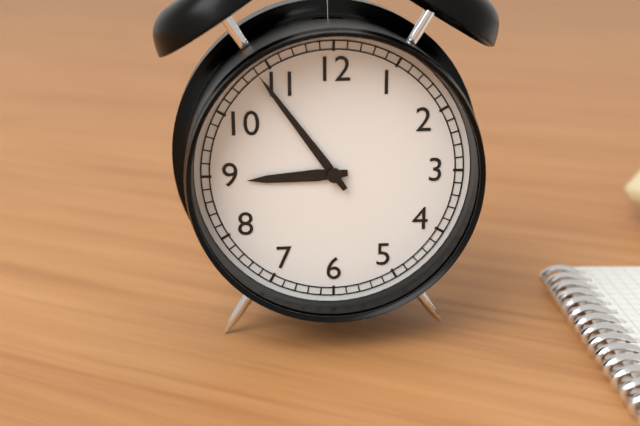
8:54
